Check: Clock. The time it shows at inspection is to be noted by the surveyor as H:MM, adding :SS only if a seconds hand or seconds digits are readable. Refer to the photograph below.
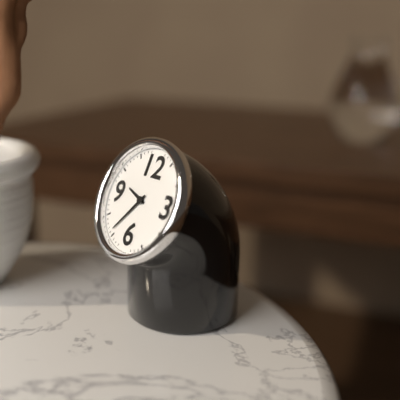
9:36
